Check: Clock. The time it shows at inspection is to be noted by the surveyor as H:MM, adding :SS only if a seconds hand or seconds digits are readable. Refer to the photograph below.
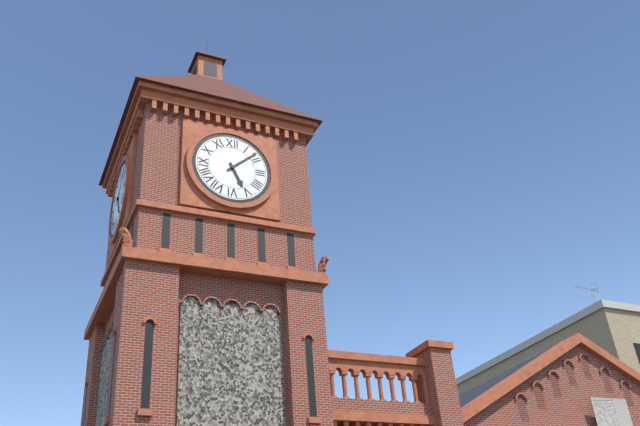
5:08
